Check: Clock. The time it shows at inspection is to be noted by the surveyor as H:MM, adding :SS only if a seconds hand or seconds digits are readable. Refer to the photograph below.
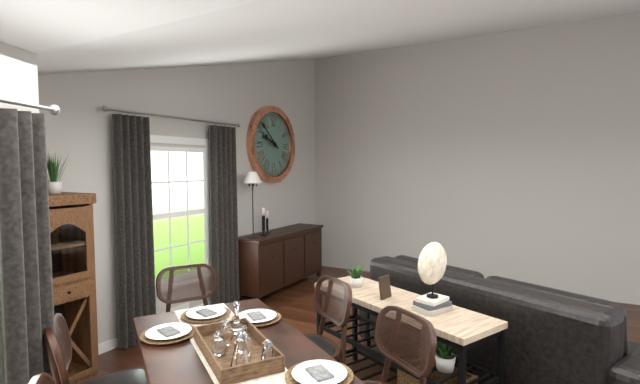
9:52
